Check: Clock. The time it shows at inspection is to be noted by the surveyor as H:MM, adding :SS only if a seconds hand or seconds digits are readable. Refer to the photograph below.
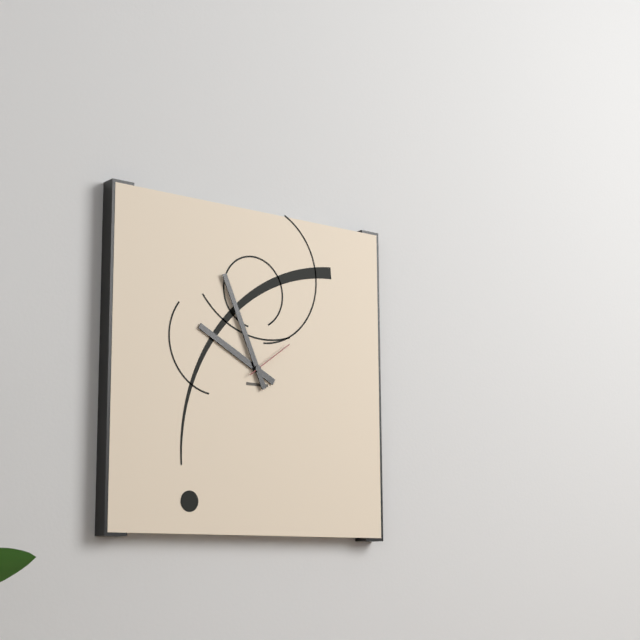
9:56
